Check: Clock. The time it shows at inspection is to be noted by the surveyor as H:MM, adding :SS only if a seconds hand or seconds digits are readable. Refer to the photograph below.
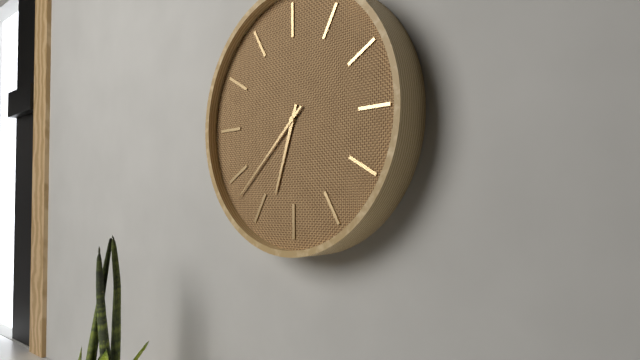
6:38
